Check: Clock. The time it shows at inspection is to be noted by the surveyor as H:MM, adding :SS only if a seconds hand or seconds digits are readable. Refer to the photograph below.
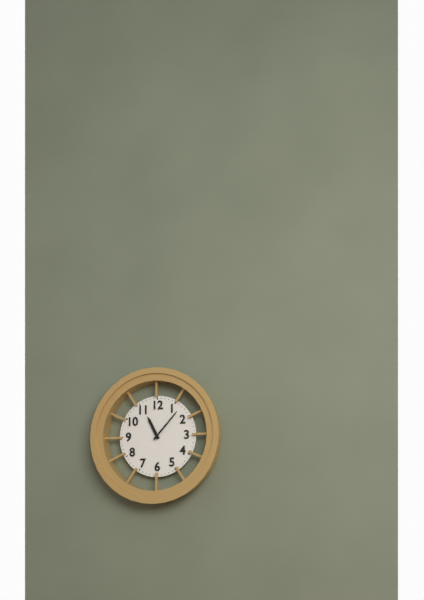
11:07
